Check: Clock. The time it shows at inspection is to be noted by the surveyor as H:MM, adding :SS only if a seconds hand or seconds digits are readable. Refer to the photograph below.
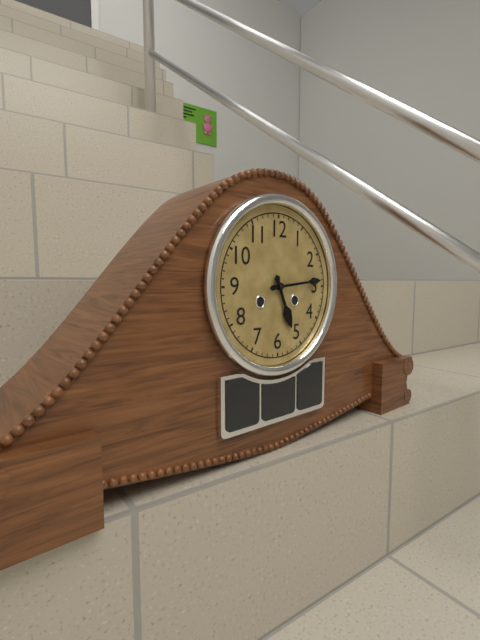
5:14
